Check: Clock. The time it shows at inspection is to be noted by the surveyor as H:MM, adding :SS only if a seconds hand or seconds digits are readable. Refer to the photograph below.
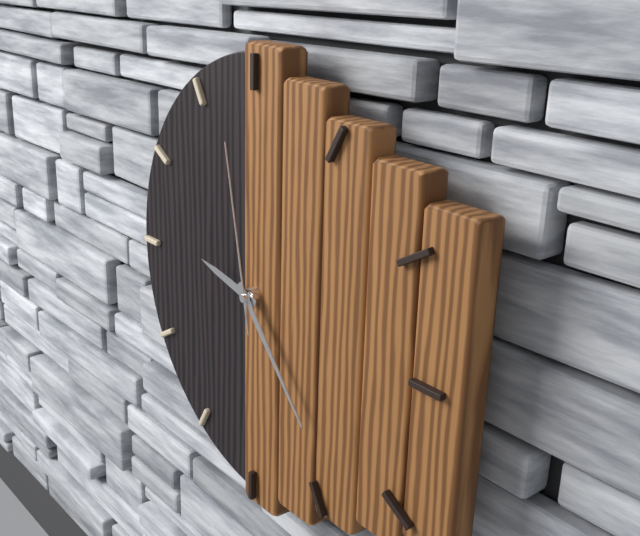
9:23:58
